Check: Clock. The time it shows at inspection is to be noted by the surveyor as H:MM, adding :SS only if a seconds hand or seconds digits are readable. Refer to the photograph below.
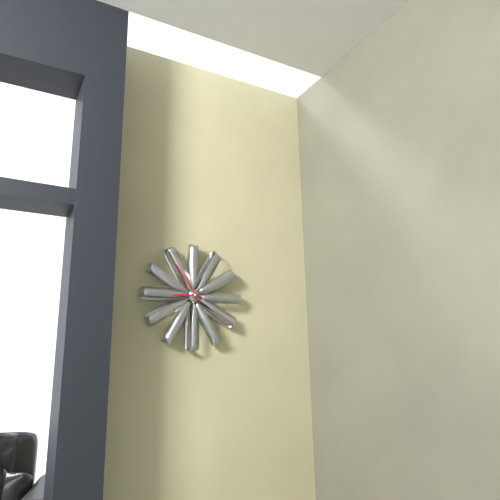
8:54
